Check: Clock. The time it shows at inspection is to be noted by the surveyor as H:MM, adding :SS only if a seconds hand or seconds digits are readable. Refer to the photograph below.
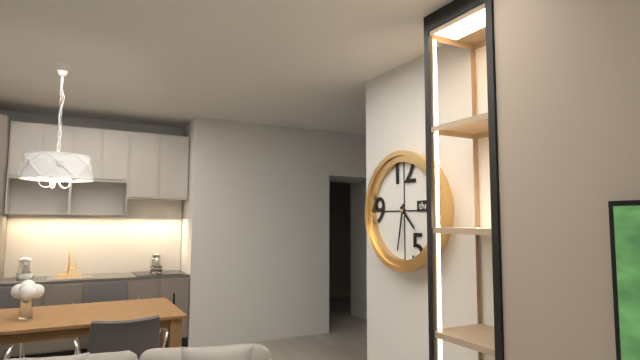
4:32
